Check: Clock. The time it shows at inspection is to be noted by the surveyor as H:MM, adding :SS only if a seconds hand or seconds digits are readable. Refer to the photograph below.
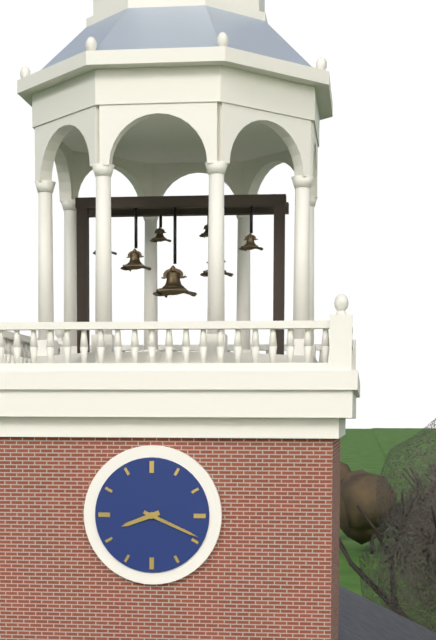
8:19
